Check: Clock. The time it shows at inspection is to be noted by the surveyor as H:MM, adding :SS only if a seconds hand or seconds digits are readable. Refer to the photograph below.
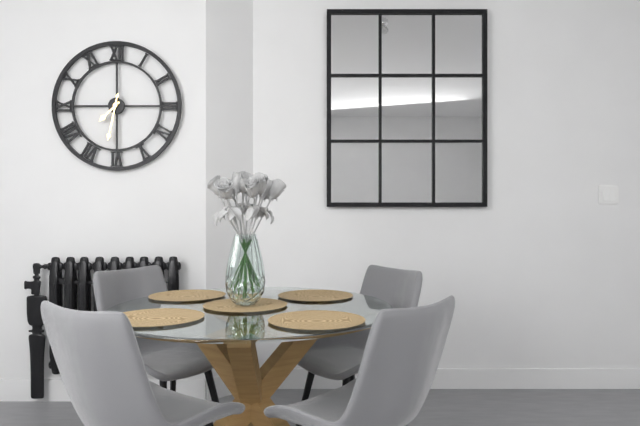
7:32
